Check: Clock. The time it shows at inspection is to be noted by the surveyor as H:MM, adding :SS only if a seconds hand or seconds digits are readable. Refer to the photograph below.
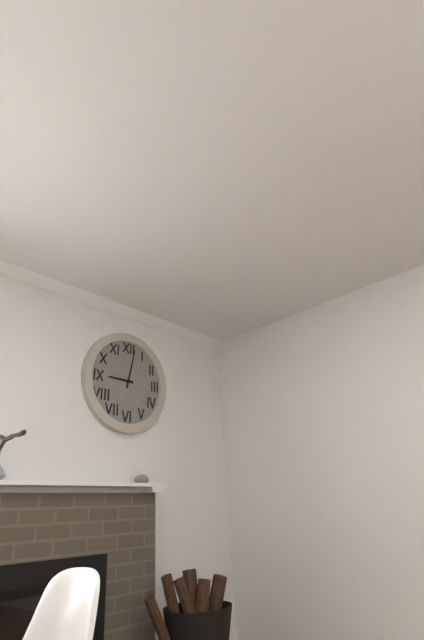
9:02
